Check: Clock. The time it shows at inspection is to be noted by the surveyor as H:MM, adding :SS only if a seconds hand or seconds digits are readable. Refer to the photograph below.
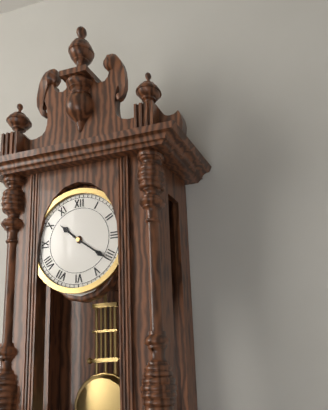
10:21
